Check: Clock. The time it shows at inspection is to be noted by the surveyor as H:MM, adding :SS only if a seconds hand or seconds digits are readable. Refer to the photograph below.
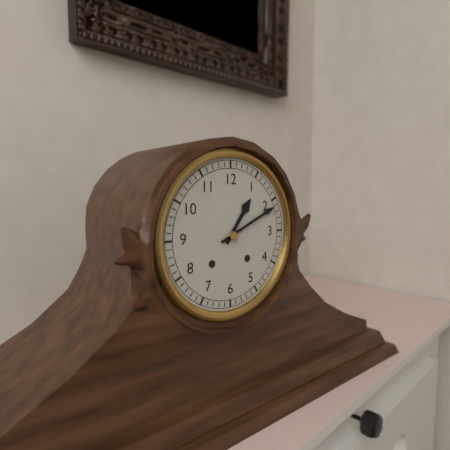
1:11
